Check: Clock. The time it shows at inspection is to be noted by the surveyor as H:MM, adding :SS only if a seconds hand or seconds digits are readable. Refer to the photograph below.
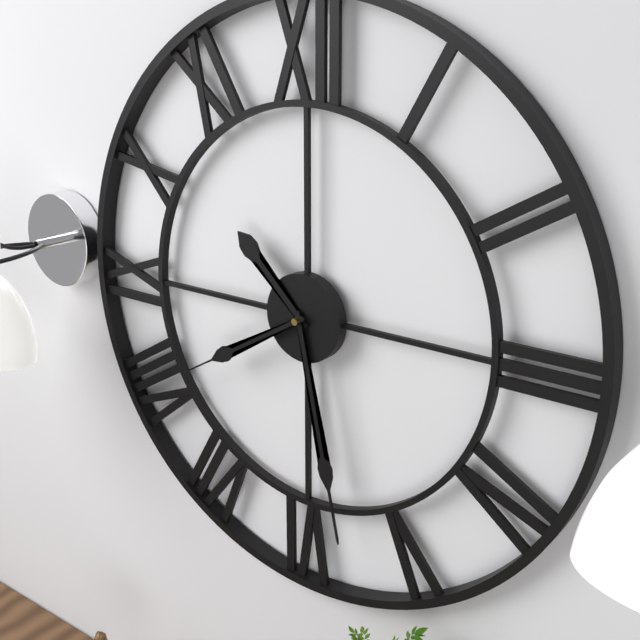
10:28:40
